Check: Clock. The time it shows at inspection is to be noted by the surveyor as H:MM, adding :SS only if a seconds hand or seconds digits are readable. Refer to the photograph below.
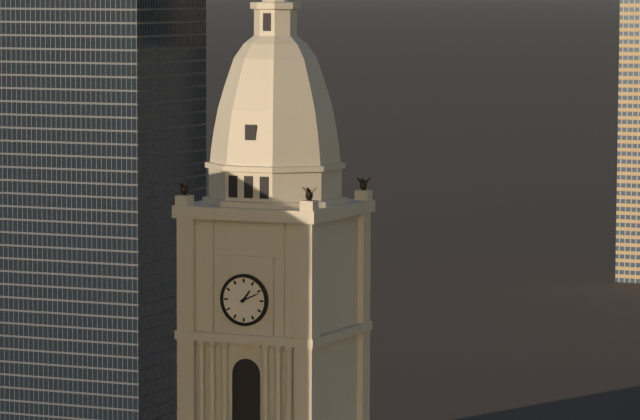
1:11
